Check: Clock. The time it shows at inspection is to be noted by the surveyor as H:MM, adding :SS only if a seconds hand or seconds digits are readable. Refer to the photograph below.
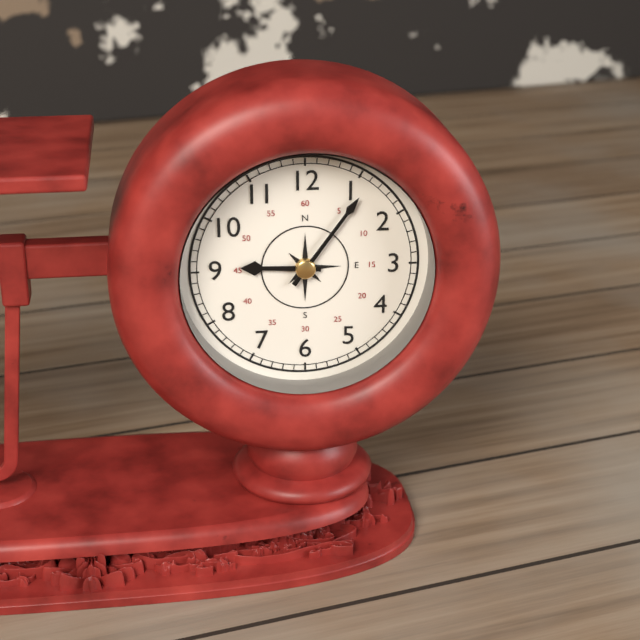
9:06
